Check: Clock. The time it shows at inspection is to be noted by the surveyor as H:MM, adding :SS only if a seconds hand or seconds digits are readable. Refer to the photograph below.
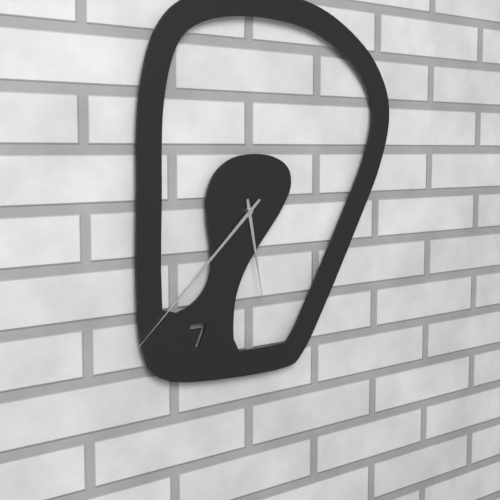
5:38
